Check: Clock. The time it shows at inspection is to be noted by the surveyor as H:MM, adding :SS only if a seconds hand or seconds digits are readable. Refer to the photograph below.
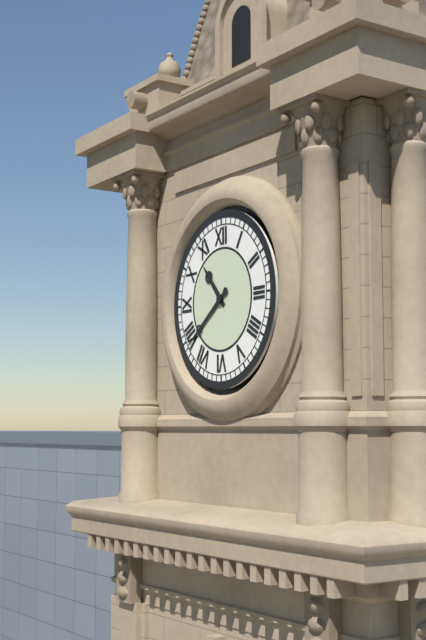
10:39
